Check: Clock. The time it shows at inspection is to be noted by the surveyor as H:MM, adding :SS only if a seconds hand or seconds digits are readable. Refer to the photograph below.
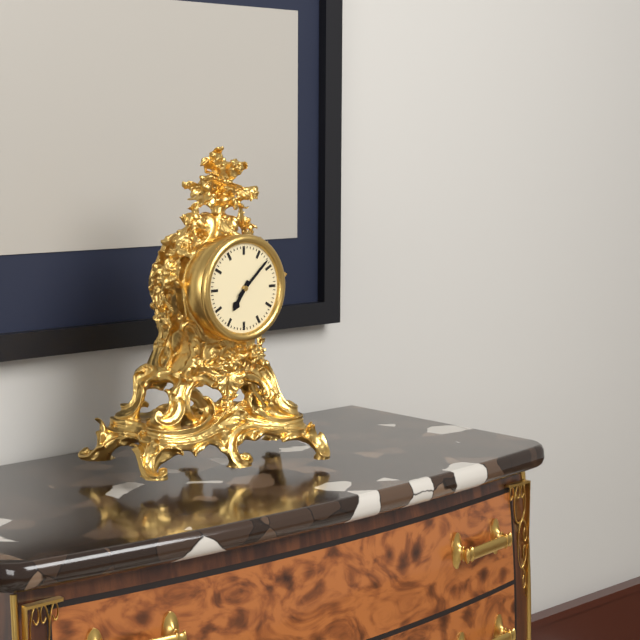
7:08
